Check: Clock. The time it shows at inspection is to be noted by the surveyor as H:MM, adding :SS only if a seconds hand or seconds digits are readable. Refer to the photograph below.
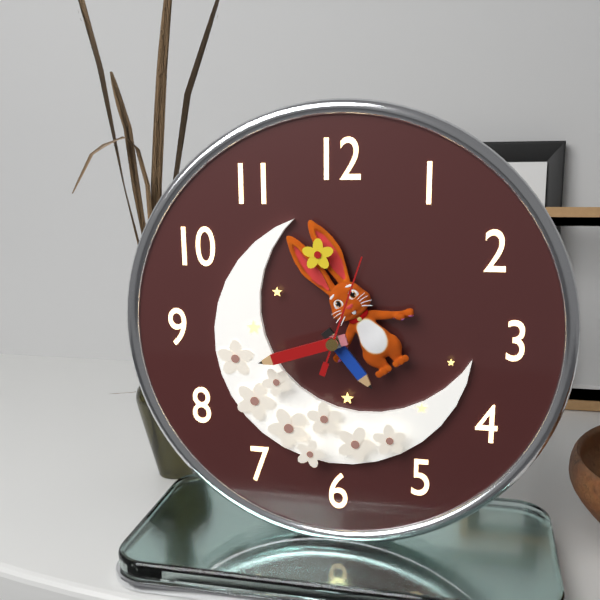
4:42:03
